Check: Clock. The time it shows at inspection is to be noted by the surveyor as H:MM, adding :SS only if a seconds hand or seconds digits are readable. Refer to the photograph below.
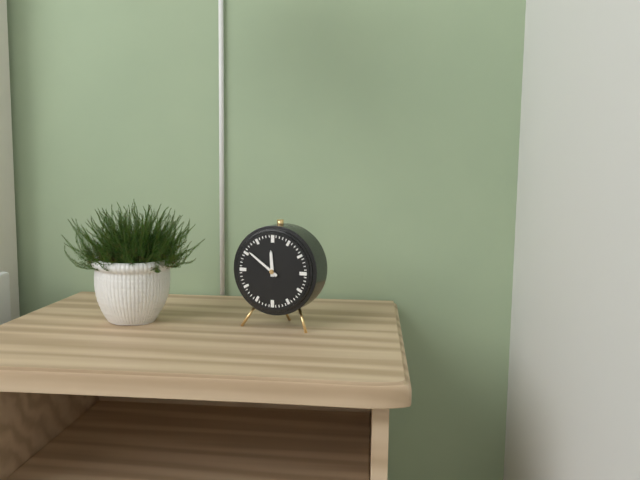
11:51
